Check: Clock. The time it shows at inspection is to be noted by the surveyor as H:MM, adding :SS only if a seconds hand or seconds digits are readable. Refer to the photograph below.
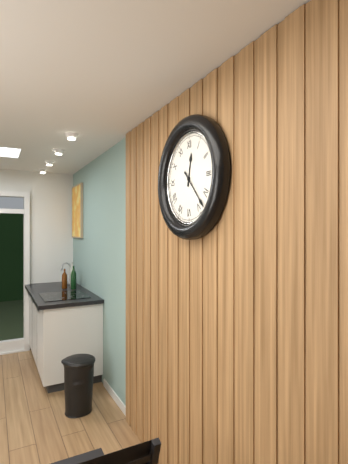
12:23
